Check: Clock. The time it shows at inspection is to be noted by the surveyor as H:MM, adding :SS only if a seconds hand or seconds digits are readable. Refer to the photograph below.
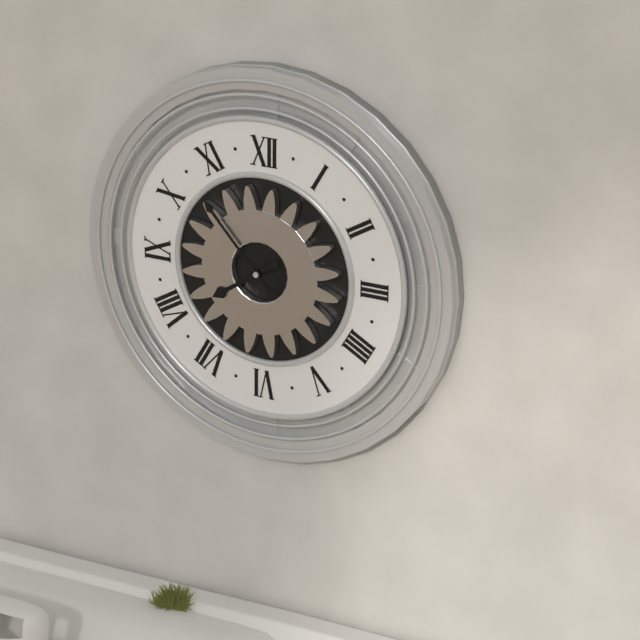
7:53
